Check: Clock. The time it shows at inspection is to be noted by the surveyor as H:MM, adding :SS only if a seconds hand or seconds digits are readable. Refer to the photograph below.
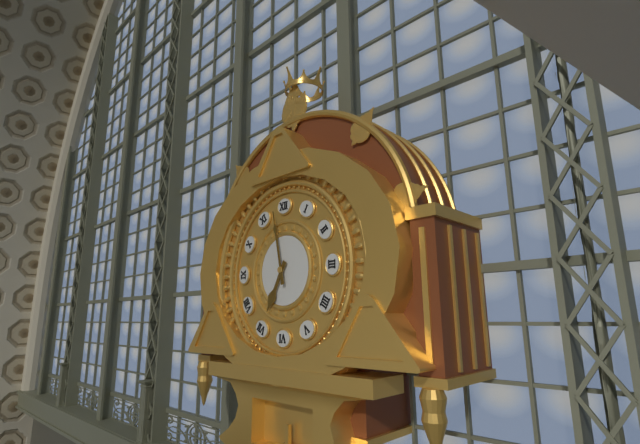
6:58
